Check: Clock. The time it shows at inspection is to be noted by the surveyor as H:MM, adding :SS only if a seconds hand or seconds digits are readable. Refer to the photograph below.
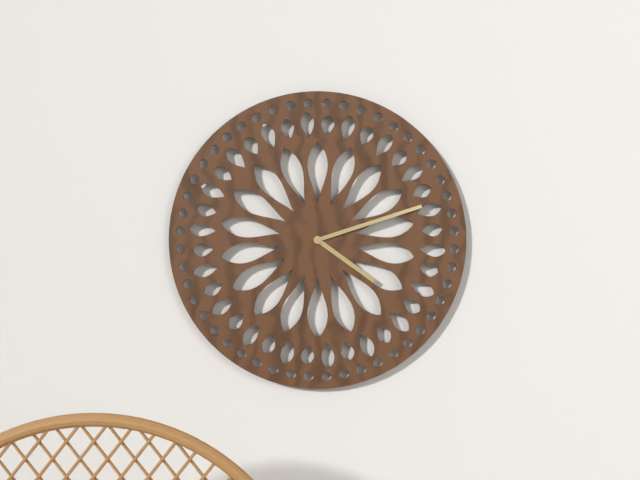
4:12
